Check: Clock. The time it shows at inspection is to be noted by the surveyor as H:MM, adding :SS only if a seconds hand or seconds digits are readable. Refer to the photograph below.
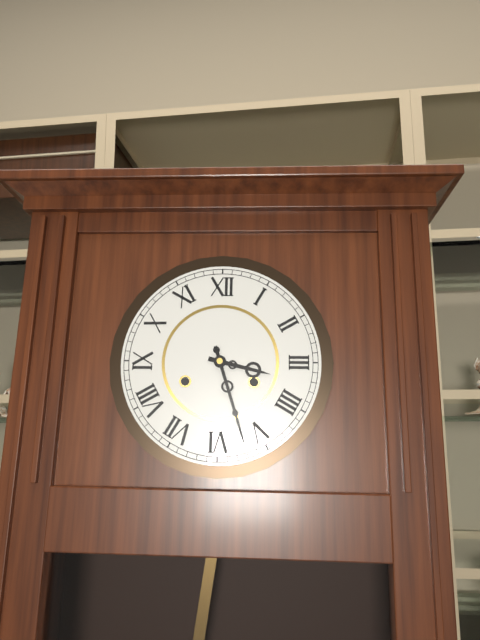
3:27
